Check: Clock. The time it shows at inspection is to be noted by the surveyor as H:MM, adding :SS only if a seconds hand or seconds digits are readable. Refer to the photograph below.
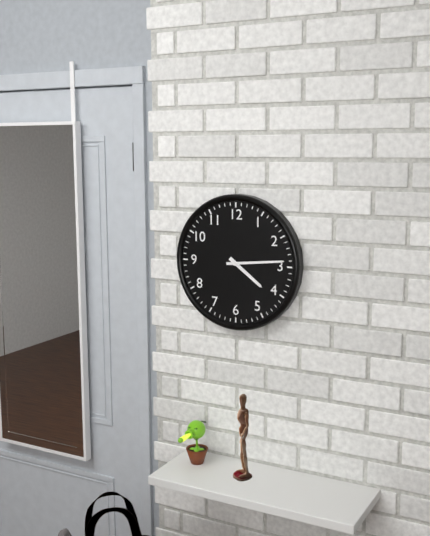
4:14
